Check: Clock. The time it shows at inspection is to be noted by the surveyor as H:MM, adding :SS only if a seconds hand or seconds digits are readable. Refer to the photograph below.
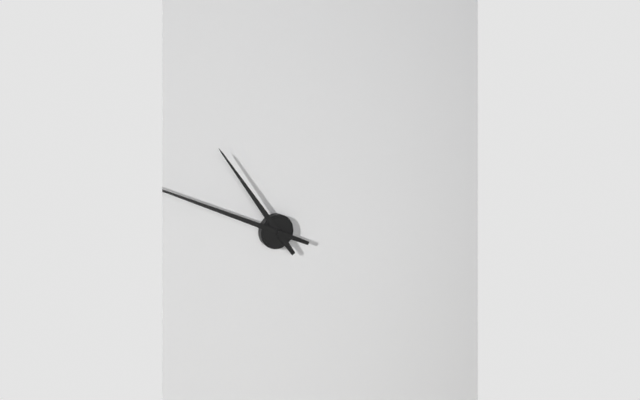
10:49
